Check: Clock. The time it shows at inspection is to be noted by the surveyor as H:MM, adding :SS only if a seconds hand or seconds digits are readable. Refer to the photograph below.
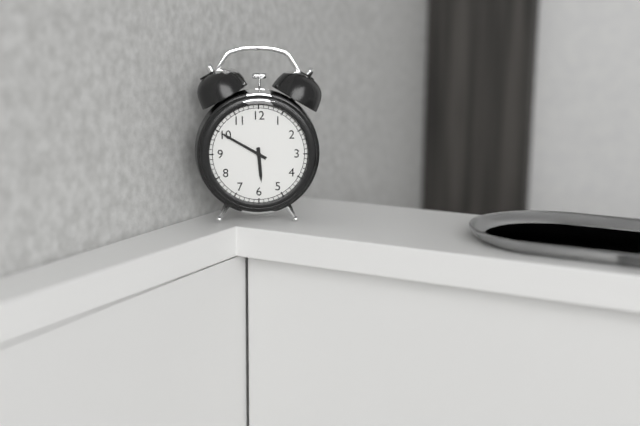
5:50
